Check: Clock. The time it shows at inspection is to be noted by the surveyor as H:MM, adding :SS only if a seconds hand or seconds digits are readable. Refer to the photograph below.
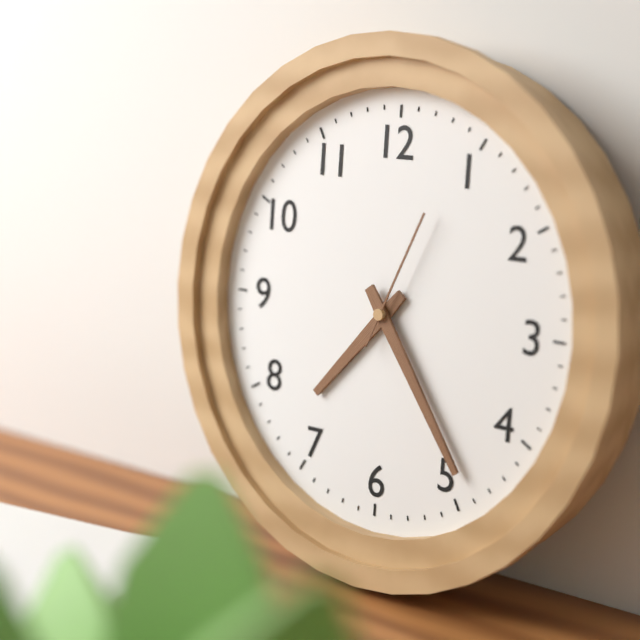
7:24:04
